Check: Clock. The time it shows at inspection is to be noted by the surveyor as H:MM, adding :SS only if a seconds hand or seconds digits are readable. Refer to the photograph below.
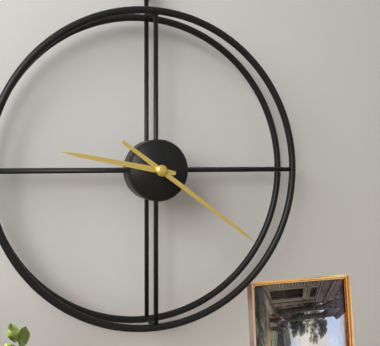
9:21
